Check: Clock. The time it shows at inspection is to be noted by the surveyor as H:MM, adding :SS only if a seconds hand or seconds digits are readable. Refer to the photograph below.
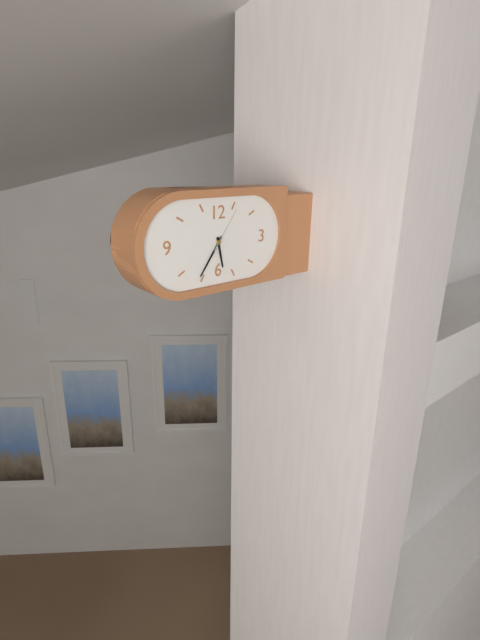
5:36:06
